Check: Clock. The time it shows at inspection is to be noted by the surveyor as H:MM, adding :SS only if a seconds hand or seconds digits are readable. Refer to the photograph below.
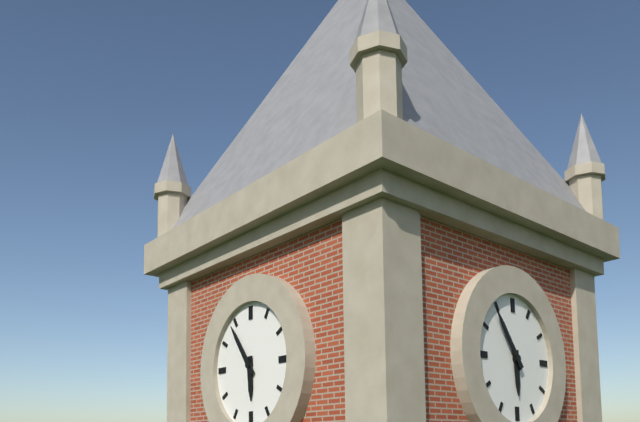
5:54
